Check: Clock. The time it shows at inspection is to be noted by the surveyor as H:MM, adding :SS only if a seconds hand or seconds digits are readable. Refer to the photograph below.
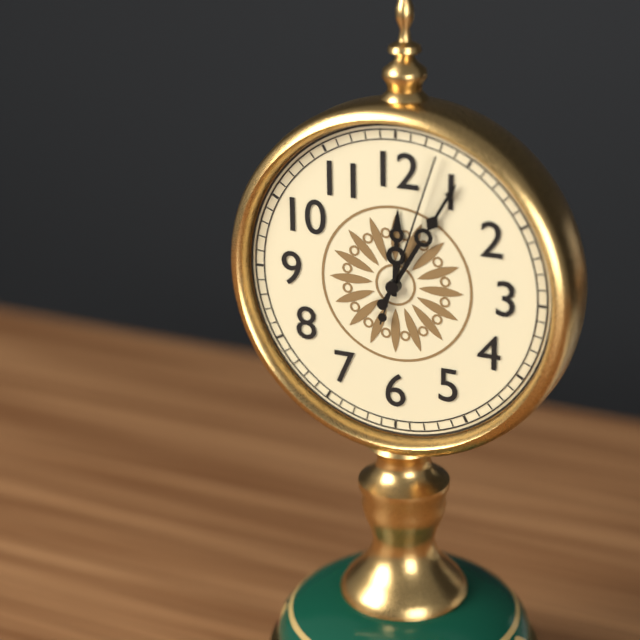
12:05:03
